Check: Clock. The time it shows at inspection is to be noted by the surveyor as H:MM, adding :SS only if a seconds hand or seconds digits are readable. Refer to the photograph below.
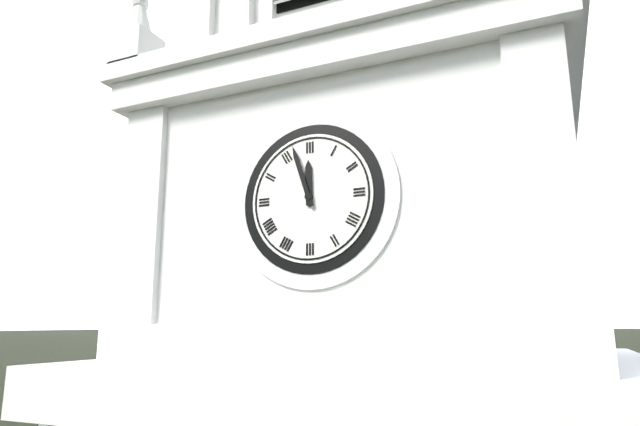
11:57
